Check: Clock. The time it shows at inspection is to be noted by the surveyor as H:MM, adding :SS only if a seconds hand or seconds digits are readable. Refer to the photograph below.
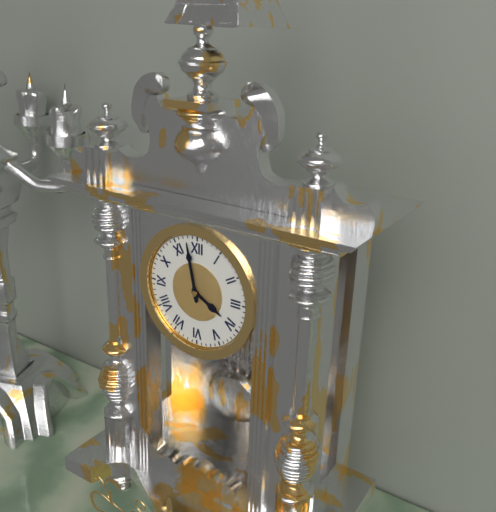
3:58
